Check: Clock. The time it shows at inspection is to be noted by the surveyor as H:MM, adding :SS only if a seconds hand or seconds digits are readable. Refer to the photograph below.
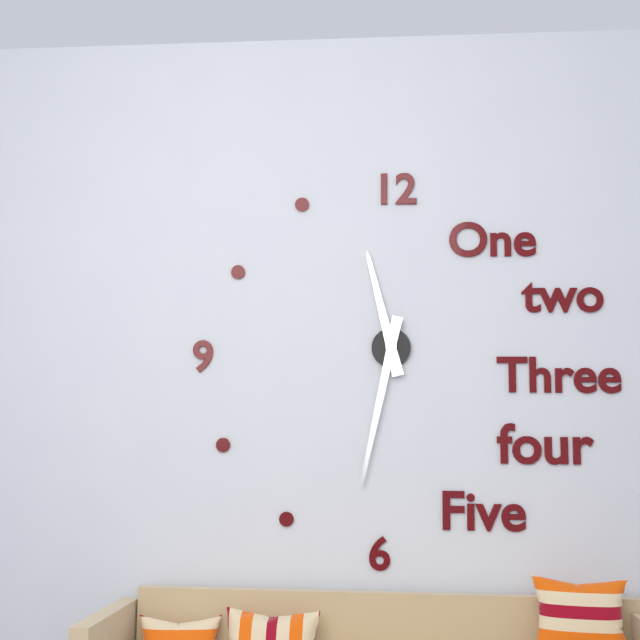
11:32
